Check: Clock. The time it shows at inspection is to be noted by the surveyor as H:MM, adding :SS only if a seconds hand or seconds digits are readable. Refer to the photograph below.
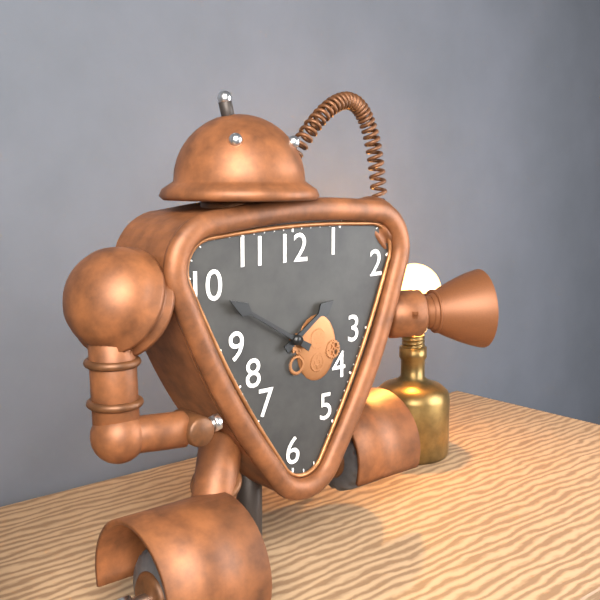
1:50
